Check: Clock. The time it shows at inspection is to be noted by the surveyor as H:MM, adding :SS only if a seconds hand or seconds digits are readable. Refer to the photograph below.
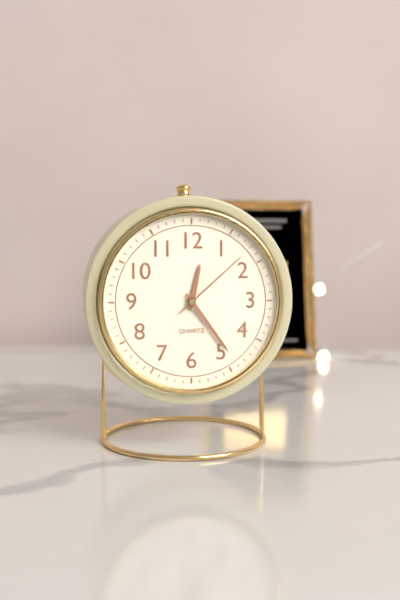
12:24:08
